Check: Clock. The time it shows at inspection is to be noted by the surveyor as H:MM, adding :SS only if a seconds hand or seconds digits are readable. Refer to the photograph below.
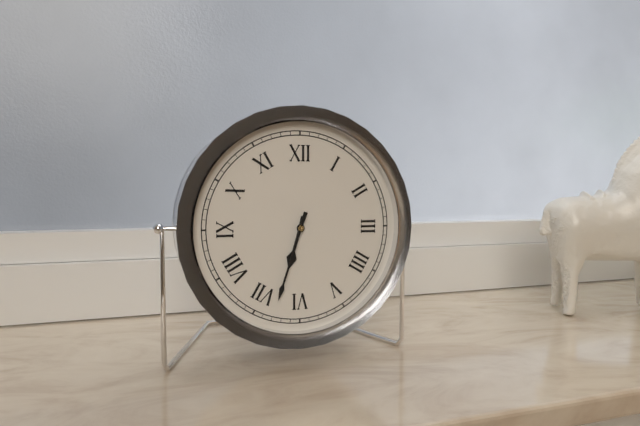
6:33
